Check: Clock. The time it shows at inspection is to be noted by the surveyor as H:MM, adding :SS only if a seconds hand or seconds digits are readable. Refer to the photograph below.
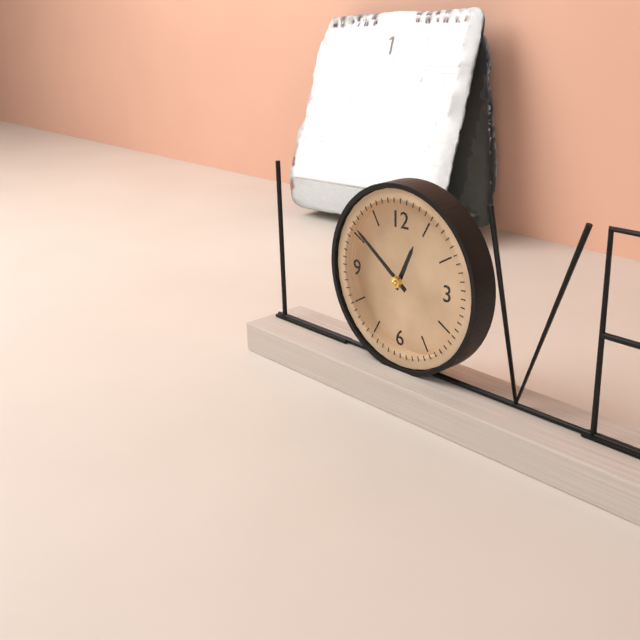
12:51
